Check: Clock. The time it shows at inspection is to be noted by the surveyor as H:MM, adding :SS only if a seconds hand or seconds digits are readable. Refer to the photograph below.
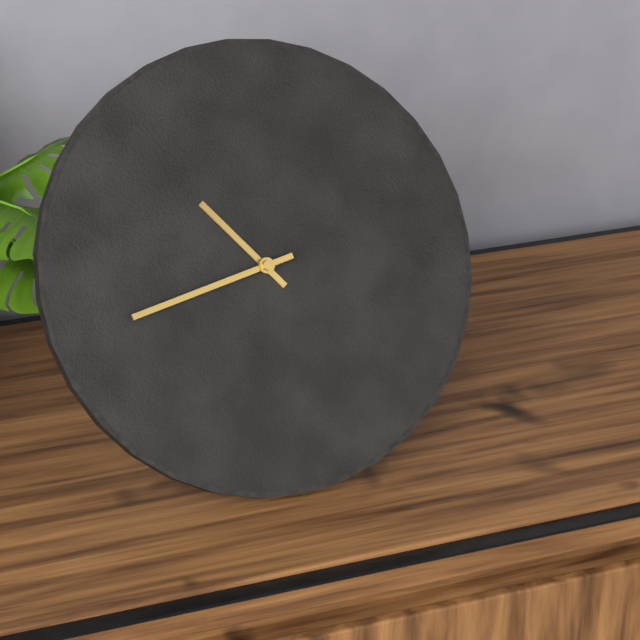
10:43
